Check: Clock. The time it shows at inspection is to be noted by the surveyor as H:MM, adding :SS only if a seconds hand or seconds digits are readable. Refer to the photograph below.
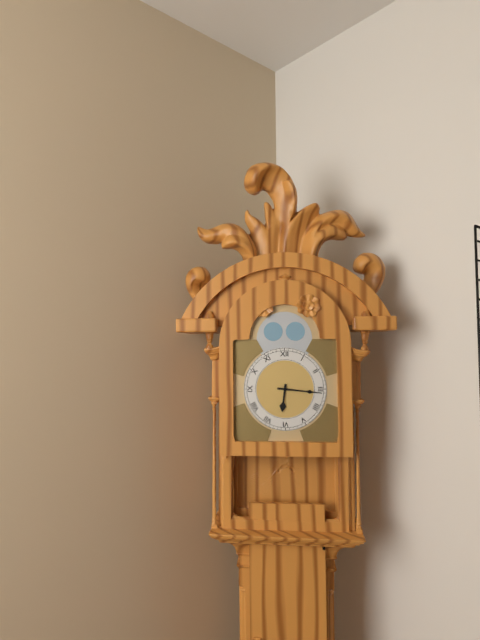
6:16
